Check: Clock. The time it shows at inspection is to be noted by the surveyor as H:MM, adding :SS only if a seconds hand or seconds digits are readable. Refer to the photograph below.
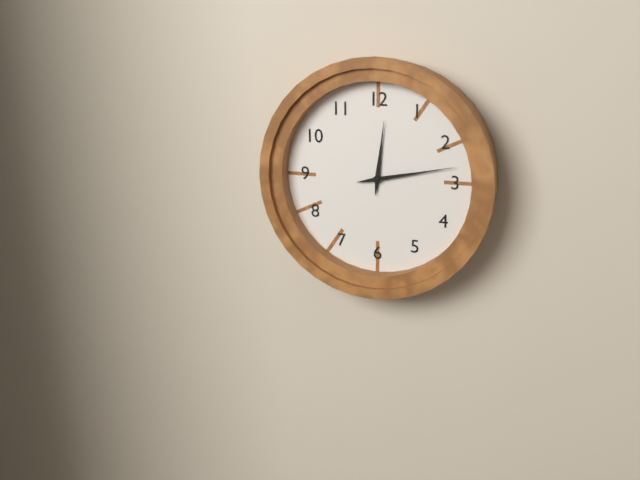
12:13
